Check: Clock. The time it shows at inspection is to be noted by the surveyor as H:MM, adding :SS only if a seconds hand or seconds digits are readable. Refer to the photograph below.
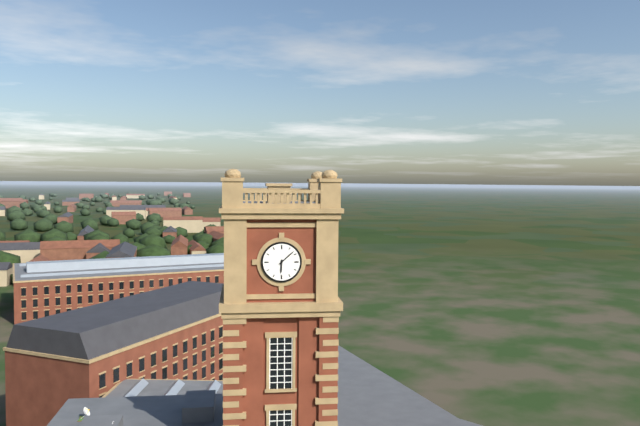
6:08
